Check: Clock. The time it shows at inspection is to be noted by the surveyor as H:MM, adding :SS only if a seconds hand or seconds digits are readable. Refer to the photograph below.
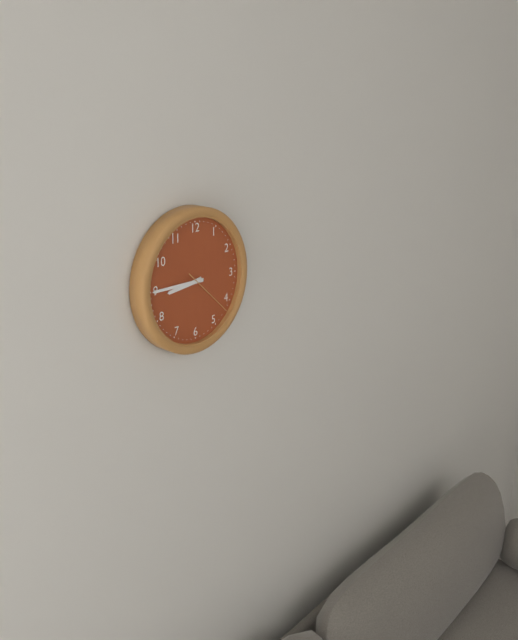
8:45:22
